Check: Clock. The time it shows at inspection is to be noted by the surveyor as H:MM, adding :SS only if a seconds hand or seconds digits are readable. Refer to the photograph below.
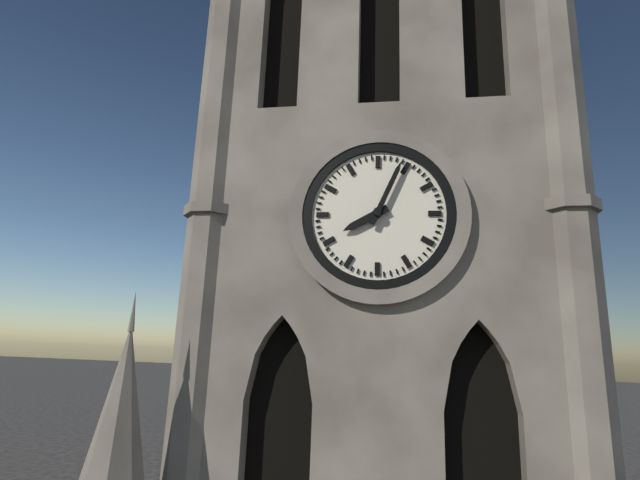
8:04
